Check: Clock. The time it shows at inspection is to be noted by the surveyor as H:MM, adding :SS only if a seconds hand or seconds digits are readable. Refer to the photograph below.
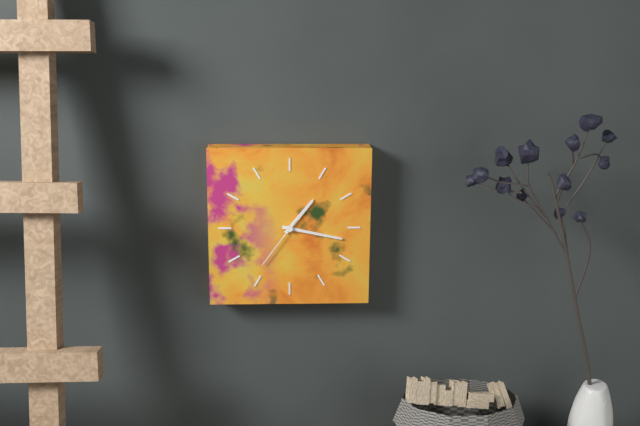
1:17:36
